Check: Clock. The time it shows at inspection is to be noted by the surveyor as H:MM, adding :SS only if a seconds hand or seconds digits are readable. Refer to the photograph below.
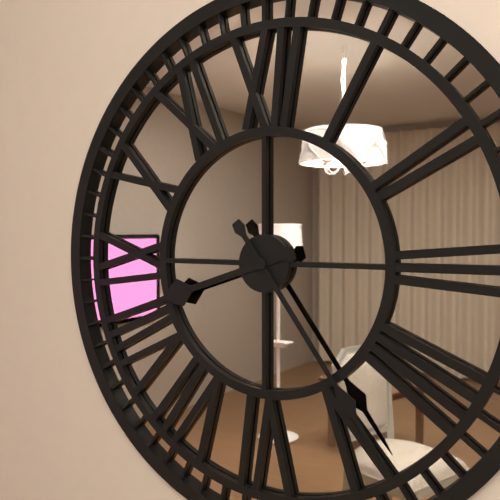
8:24
